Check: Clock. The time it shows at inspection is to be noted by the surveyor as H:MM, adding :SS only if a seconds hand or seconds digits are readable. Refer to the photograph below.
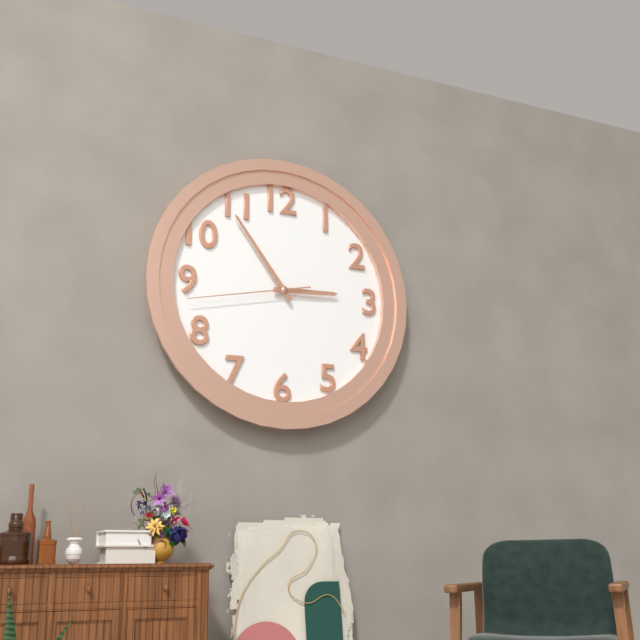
2:54:43
